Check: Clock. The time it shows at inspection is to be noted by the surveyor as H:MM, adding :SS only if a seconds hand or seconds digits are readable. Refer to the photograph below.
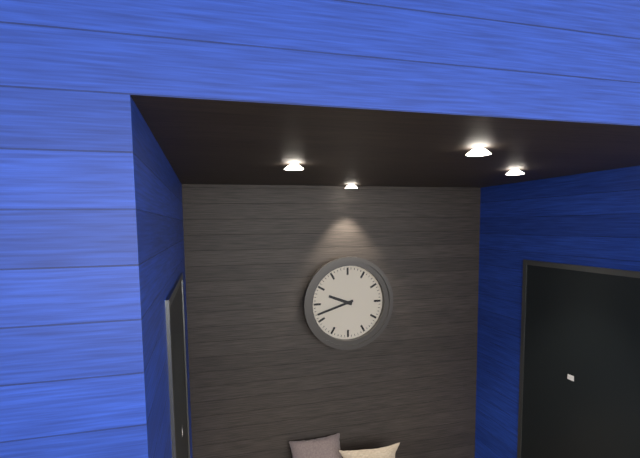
9:42
